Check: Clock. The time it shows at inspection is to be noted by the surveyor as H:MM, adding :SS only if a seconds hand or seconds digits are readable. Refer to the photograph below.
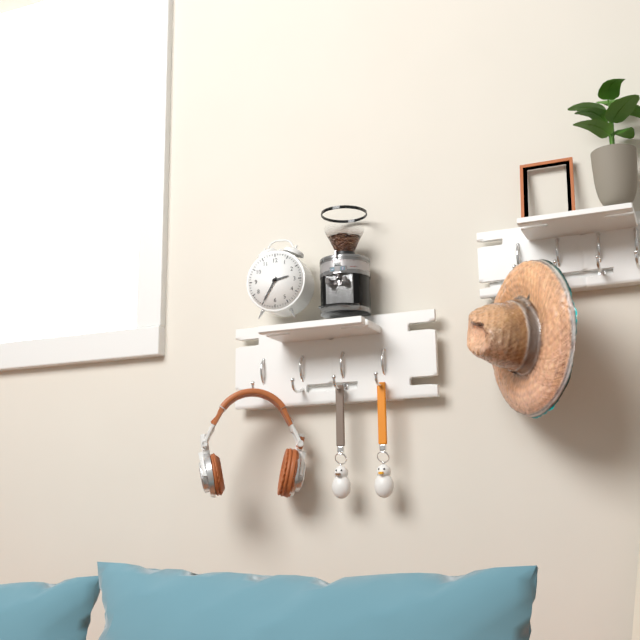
2:35
